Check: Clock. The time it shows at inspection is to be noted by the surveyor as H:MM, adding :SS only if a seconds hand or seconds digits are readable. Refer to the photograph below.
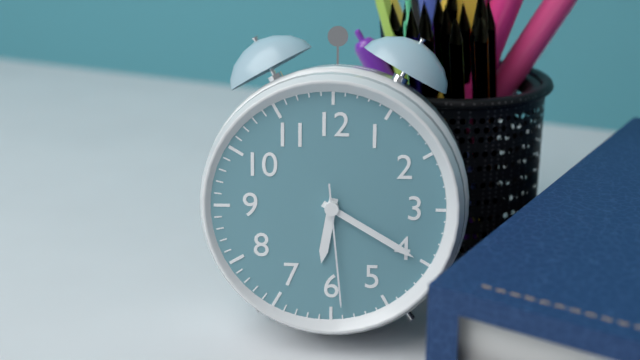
6:20:29
